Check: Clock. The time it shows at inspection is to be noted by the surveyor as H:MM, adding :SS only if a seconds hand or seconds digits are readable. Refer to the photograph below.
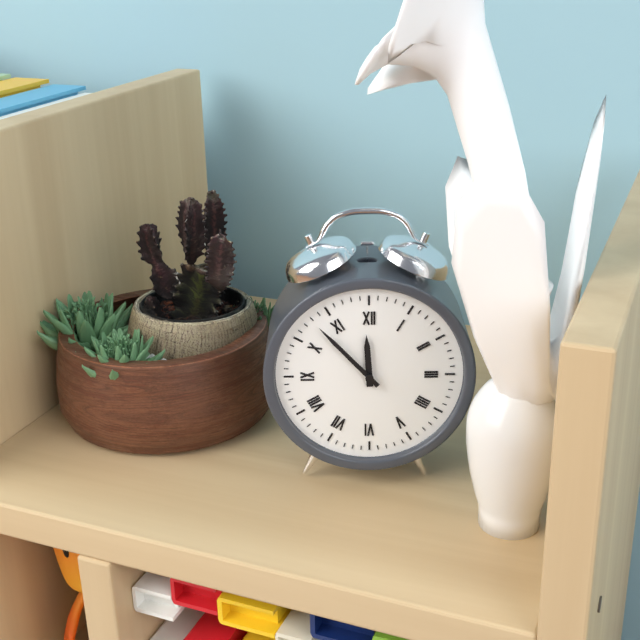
11:53
